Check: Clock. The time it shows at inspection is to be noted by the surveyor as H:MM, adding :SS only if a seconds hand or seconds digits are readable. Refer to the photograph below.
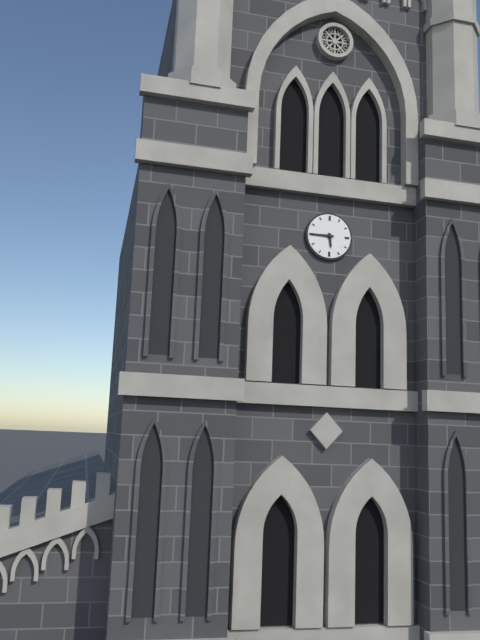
5:45
